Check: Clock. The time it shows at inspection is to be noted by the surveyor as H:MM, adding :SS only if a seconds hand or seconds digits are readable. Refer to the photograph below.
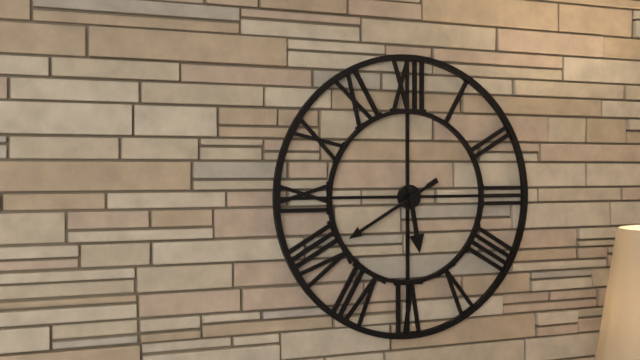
5:40
